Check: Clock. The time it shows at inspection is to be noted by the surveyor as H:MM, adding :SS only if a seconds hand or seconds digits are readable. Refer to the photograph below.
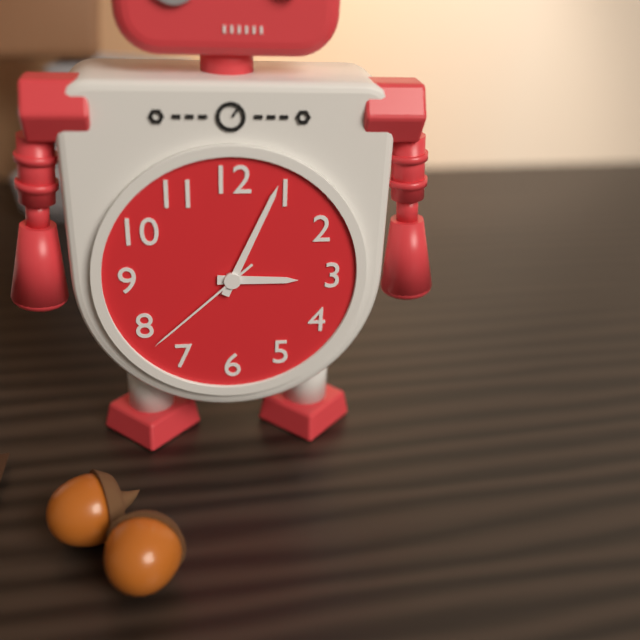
3:04:38
